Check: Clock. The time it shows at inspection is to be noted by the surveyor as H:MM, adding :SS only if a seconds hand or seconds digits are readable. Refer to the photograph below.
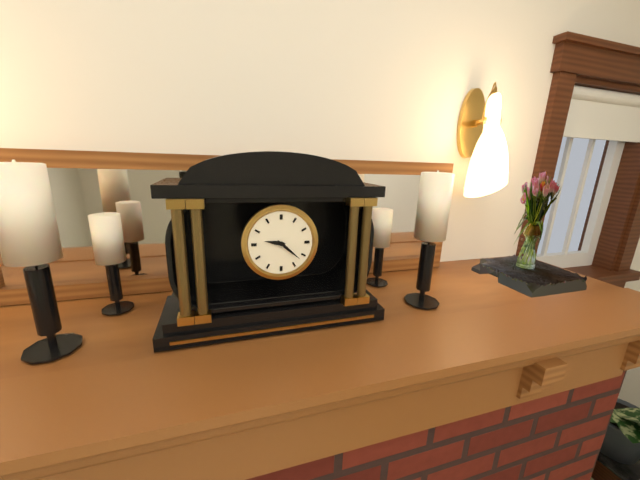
9:22
